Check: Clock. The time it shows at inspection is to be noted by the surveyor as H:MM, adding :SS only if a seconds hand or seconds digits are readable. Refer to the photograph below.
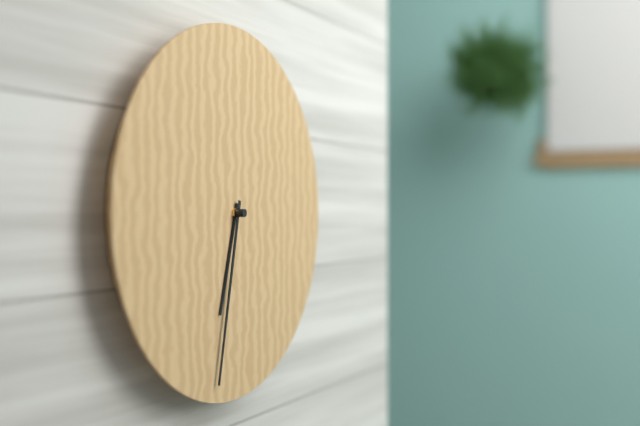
6:32
